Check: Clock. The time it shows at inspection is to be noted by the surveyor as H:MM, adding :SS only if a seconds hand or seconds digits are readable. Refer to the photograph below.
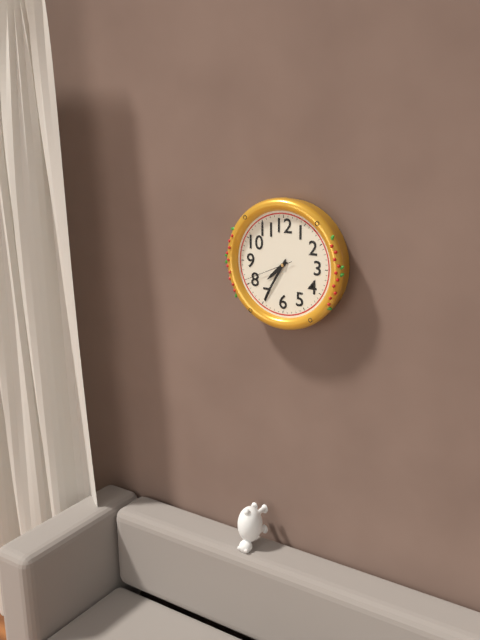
7:35:41
